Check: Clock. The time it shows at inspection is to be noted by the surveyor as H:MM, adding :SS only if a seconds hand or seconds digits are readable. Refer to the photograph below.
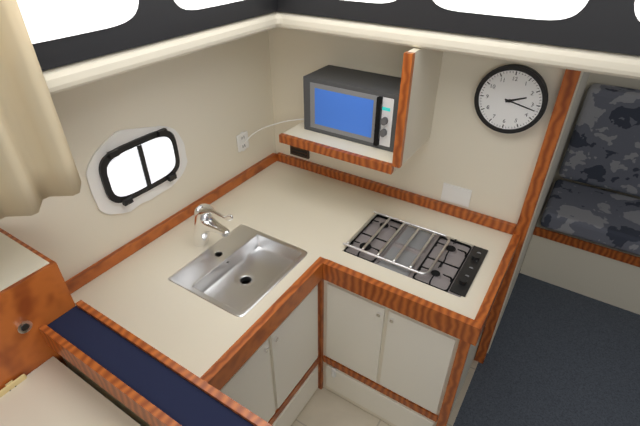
2:17
